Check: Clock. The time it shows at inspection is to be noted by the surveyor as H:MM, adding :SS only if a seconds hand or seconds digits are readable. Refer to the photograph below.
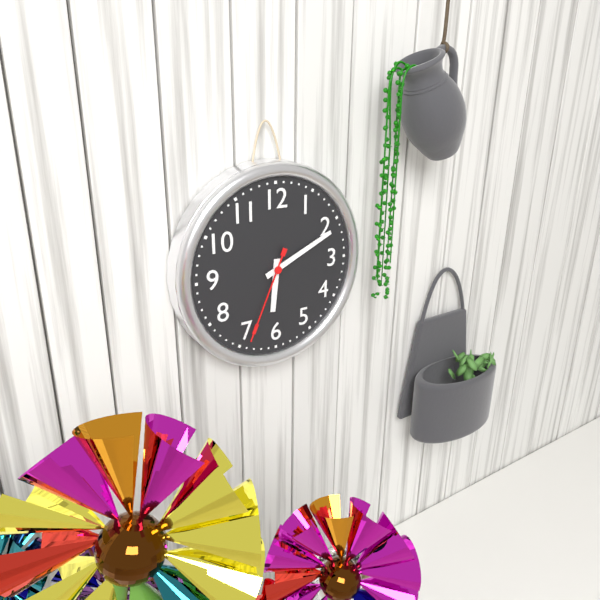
6:11:34
